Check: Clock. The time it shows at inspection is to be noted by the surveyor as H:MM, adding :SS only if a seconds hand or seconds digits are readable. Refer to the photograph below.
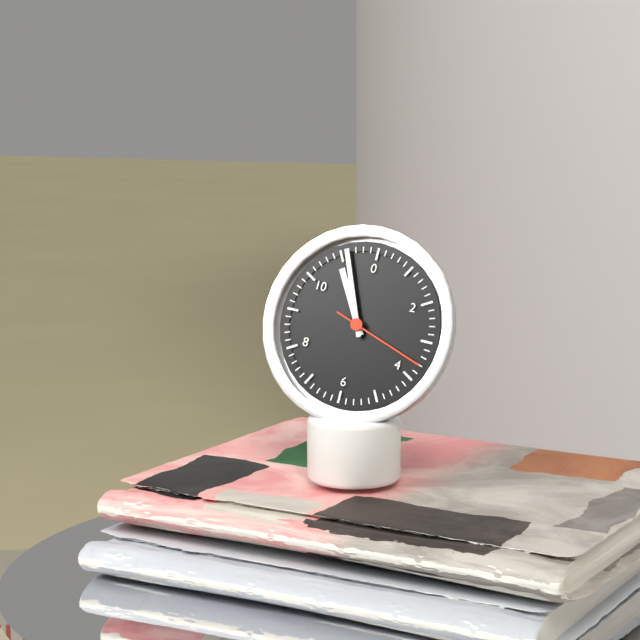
10:56:18
